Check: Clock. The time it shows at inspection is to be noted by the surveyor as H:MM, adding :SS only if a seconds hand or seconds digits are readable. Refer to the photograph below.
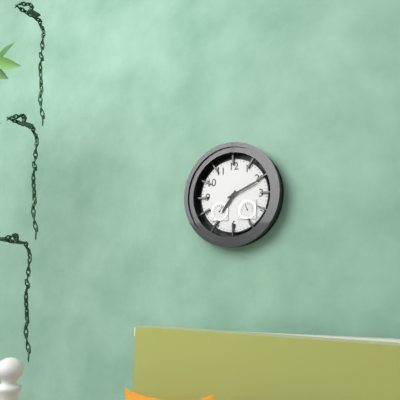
7:11
